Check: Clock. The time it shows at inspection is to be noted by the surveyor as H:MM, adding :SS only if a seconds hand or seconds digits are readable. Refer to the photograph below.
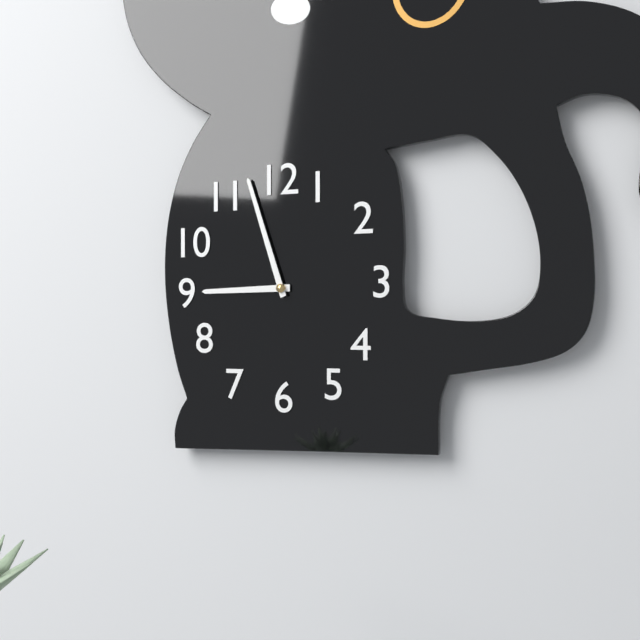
8:57
